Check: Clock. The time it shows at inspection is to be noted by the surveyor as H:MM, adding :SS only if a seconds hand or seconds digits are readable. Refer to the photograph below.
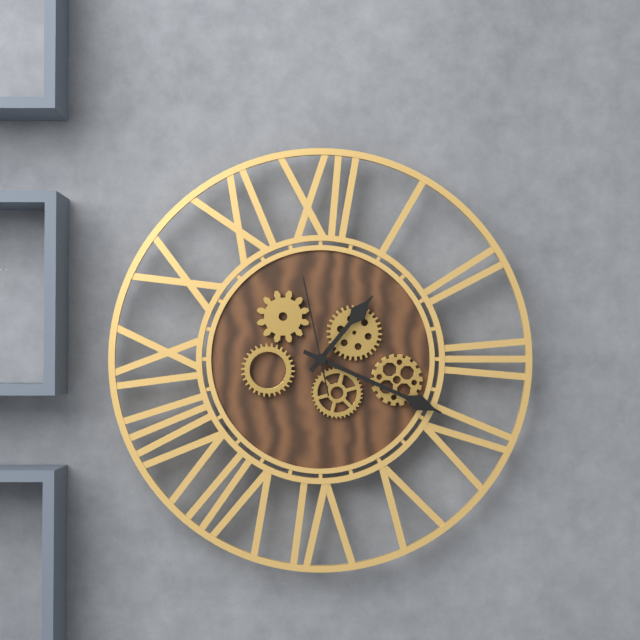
1:19:58
